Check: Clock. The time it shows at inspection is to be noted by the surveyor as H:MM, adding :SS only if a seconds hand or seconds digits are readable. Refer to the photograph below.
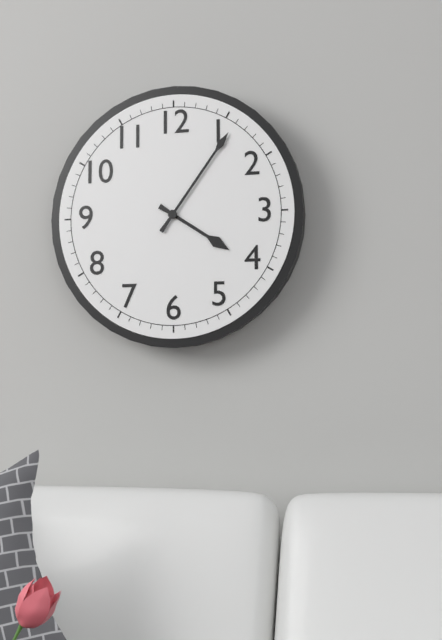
4:06
